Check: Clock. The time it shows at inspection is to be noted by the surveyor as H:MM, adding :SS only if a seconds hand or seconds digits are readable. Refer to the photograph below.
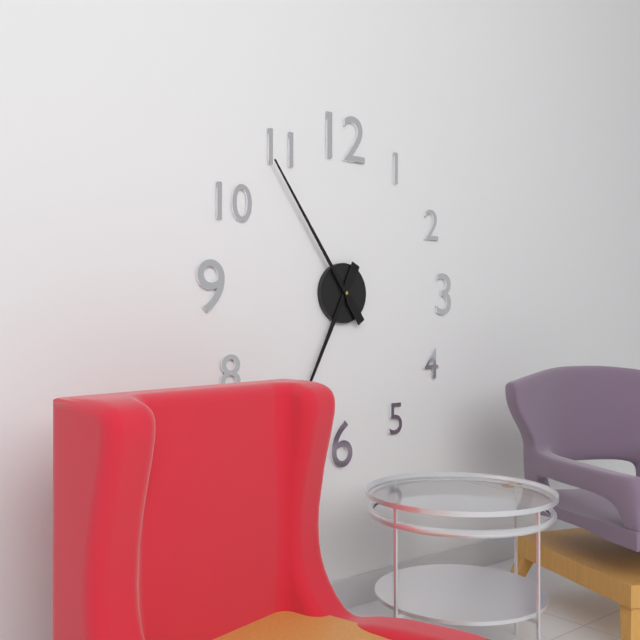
6:54
